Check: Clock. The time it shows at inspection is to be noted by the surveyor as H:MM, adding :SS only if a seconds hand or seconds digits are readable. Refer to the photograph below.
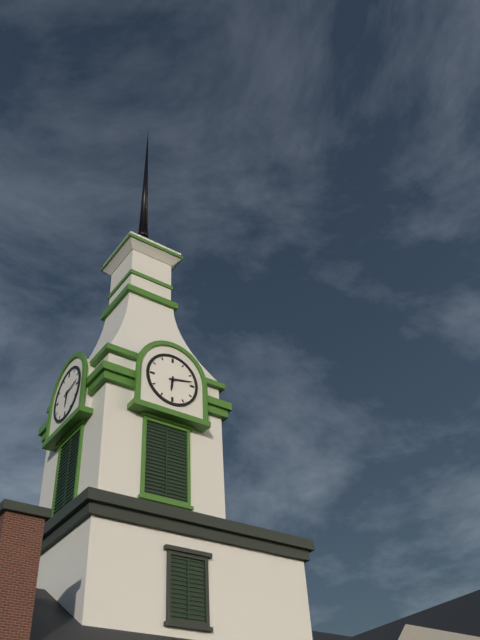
6:13
